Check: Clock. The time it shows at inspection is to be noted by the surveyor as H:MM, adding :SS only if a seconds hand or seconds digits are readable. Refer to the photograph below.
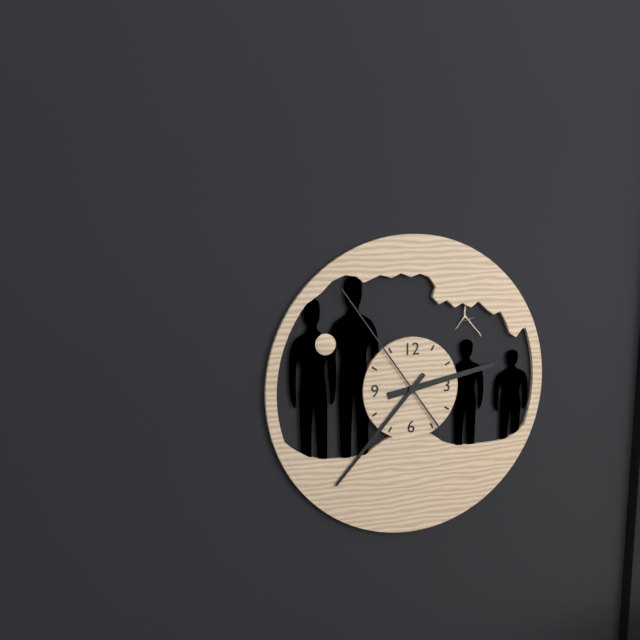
2:37:54
